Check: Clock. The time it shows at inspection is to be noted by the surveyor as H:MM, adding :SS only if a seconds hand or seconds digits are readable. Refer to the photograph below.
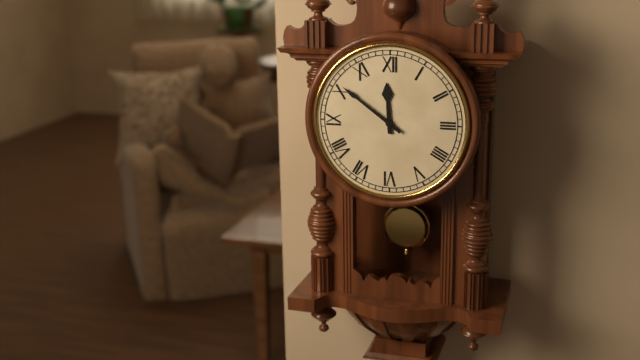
11:51
